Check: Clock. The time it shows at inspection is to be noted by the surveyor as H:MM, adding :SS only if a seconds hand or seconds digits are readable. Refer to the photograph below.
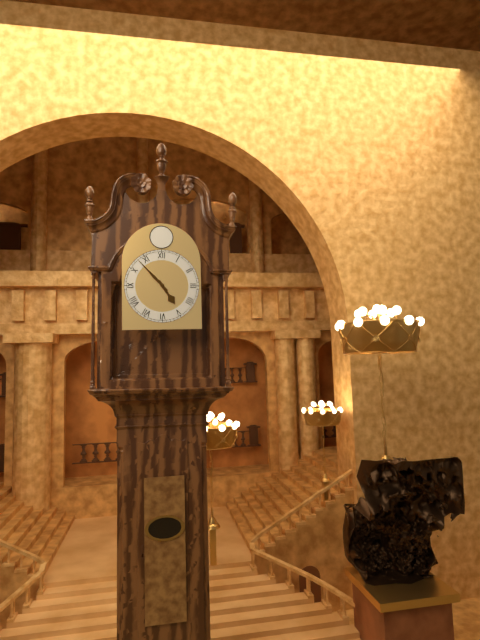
4:53
